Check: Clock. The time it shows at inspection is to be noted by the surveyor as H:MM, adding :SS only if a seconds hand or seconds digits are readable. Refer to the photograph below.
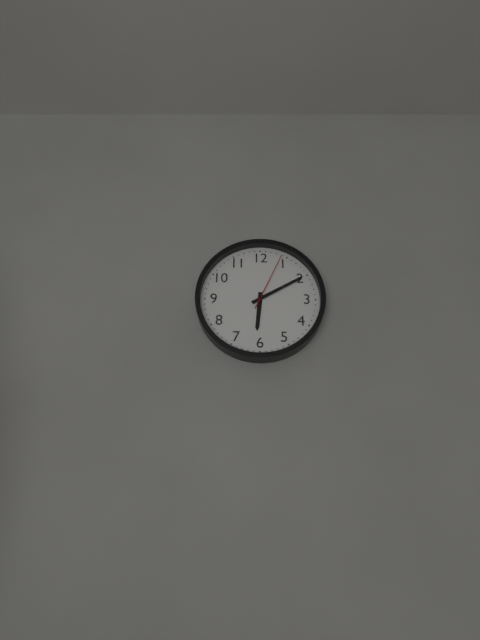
6:10:04
